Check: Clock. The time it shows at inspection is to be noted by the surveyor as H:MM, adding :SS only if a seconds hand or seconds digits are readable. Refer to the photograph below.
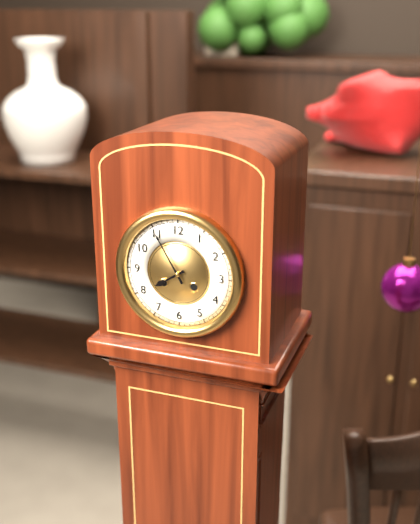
7:55
